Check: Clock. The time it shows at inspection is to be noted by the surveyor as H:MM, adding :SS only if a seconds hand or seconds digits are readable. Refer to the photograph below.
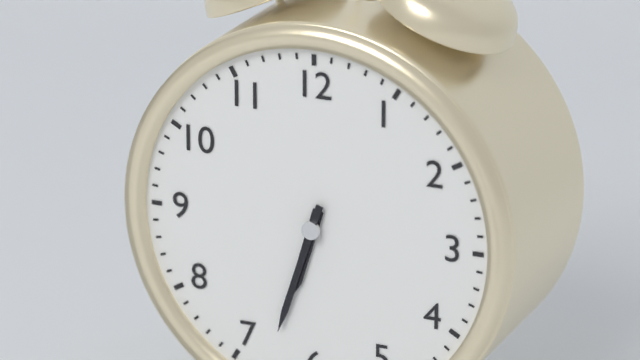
6:33
